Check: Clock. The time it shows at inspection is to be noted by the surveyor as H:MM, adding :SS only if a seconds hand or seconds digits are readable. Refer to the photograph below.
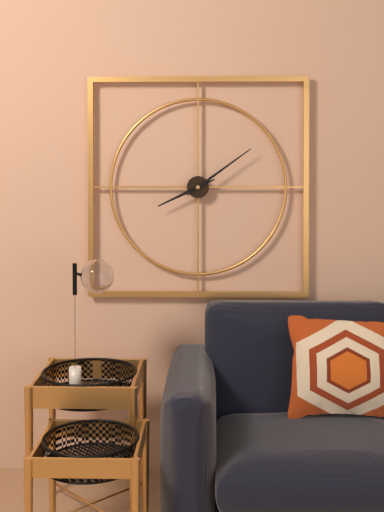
8:09
